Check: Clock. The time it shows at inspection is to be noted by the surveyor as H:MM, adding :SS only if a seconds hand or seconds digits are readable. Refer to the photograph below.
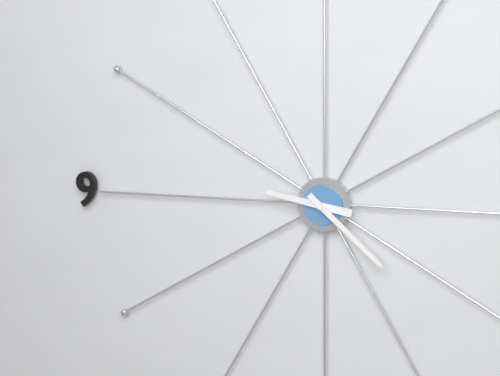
9:22
